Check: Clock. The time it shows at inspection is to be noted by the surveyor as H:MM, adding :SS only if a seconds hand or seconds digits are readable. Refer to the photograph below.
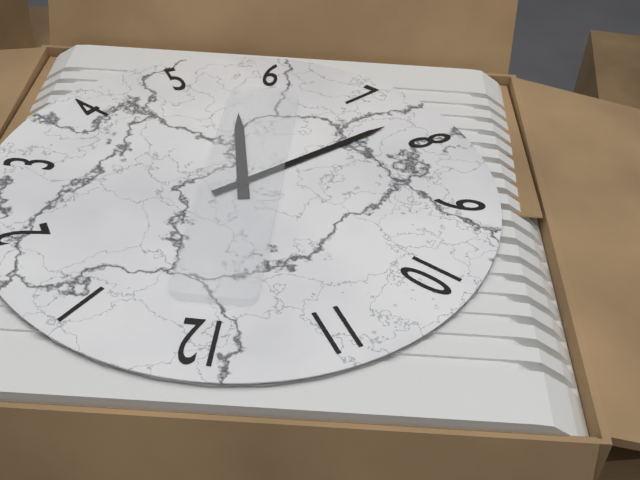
5:38
